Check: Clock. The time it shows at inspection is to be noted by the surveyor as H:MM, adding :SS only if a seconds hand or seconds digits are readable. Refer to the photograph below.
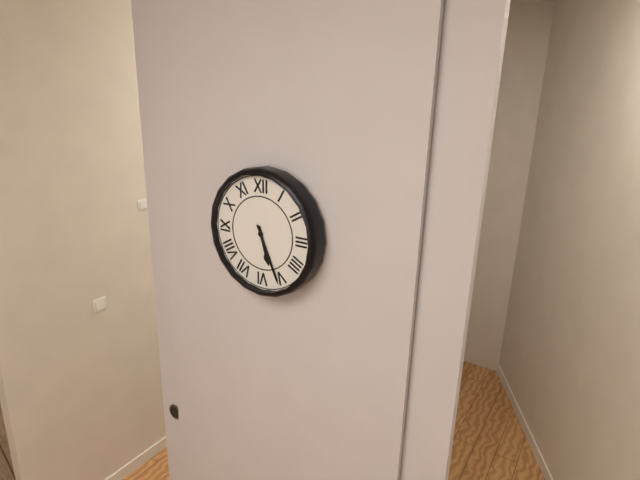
5:26
